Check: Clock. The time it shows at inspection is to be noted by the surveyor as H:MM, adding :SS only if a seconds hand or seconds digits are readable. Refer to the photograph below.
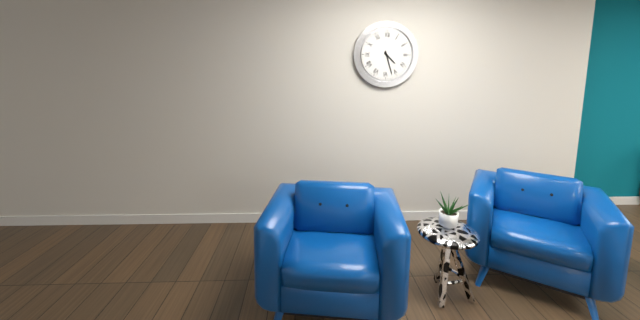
4:27
